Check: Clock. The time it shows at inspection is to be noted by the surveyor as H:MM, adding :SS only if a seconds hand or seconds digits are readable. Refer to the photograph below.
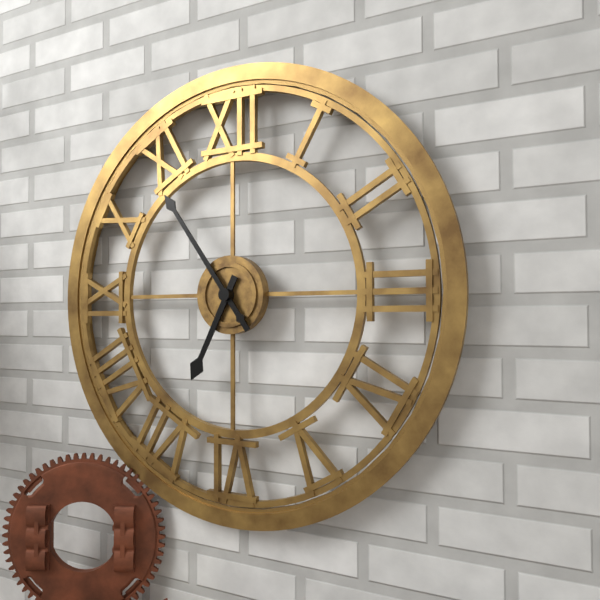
6:54
